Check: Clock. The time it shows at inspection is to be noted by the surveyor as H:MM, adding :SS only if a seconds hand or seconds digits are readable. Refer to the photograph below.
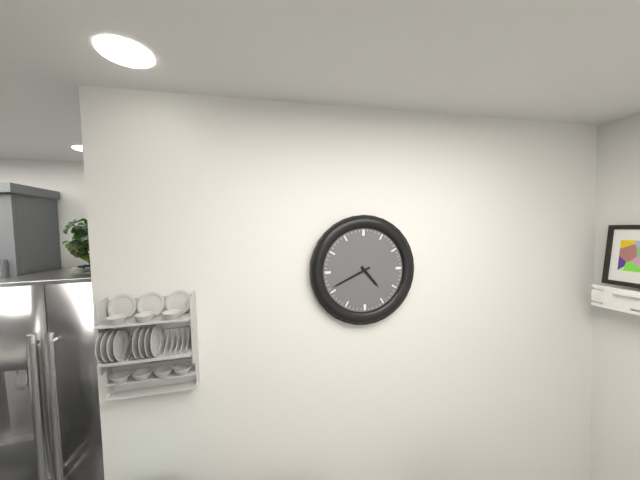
4:41
